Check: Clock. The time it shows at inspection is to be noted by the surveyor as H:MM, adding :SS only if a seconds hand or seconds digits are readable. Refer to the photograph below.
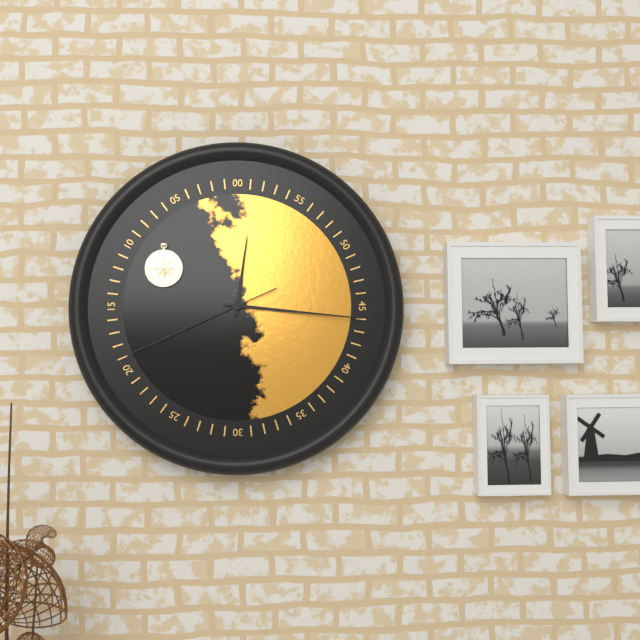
12:16:41
